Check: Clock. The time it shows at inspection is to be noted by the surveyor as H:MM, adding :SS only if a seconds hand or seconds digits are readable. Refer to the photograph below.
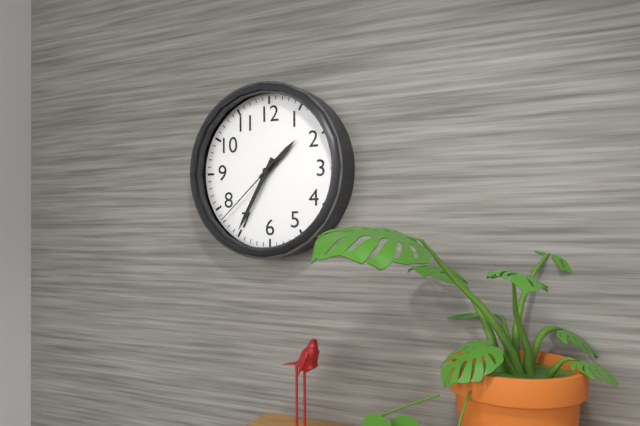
1:35:38
